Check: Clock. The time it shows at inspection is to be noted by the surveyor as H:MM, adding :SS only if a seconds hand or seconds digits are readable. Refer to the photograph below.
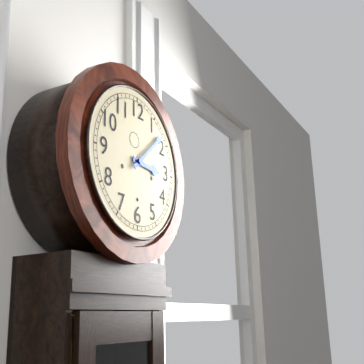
3:08
